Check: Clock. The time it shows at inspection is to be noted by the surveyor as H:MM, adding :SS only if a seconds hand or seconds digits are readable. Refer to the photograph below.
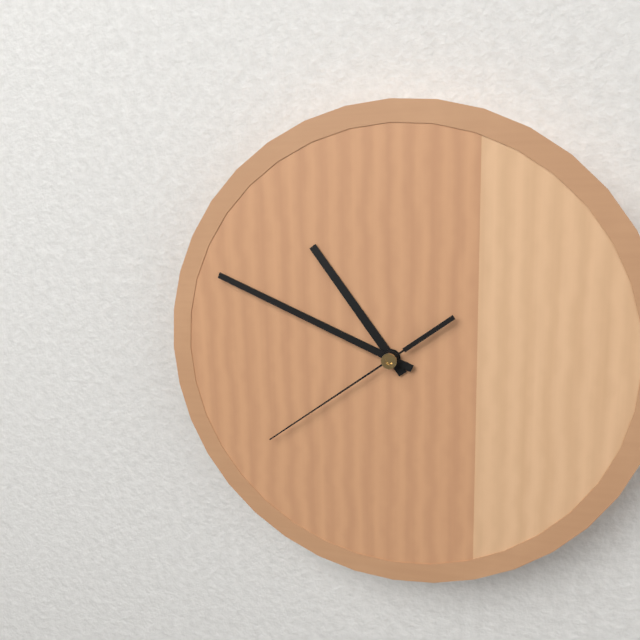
10:49:39
